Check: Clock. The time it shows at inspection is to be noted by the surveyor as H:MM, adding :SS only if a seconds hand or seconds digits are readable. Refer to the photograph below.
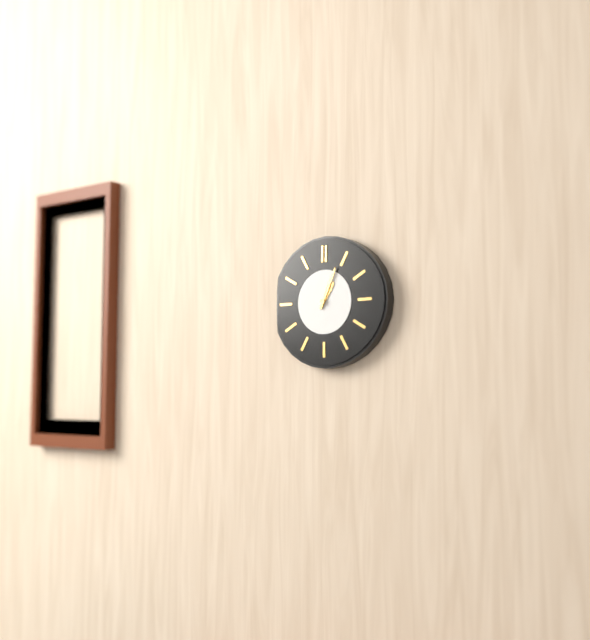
1:04
